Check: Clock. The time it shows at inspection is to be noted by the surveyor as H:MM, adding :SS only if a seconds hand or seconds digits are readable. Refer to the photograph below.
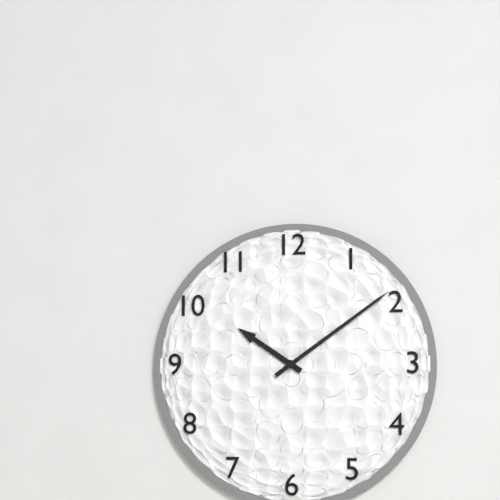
10:09
